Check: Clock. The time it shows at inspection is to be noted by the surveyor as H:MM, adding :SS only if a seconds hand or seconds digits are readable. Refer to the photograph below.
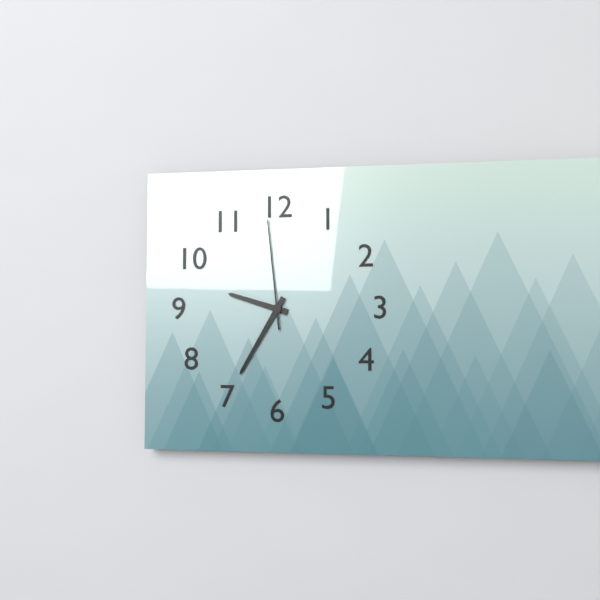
9:35:59
